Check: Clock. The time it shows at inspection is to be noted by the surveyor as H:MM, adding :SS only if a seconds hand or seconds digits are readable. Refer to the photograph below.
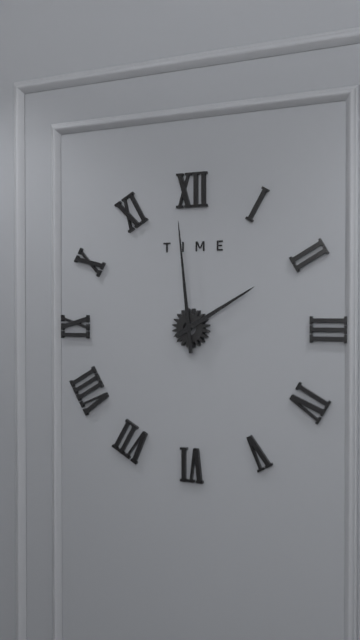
1:59
